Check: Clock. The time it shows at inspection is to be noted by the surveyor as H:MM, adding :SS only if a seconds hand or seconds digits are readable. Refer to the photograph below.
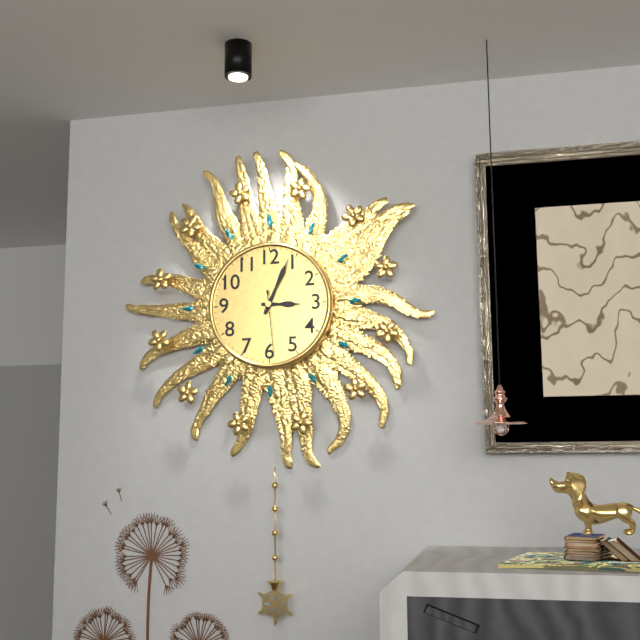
3:04:29
